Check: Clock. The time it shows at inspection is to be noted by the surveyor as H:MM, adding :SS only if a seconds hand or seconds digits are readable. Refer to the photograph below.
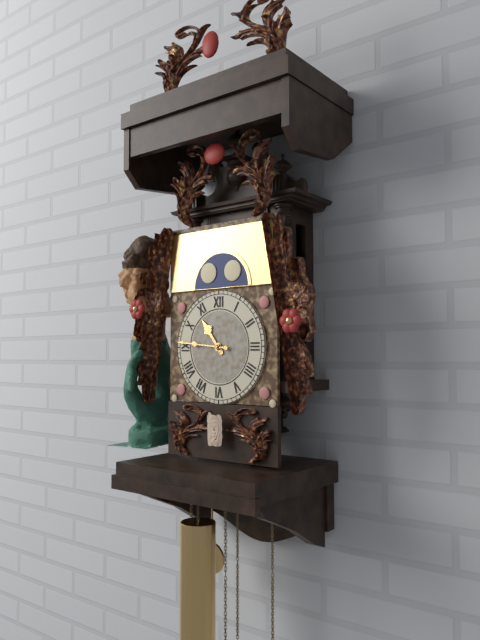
10:46
